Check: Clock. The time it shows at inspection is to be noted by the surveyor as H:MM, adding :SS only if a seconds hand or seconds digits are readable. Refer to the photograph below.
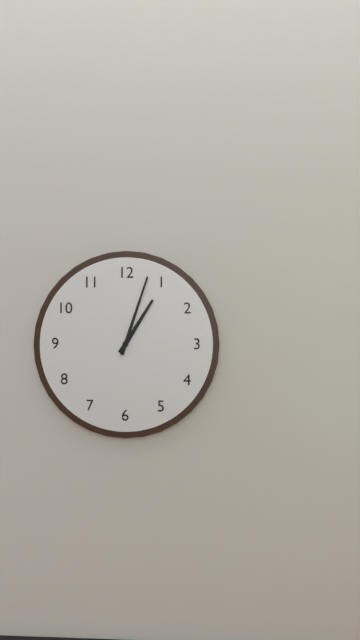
1:03
